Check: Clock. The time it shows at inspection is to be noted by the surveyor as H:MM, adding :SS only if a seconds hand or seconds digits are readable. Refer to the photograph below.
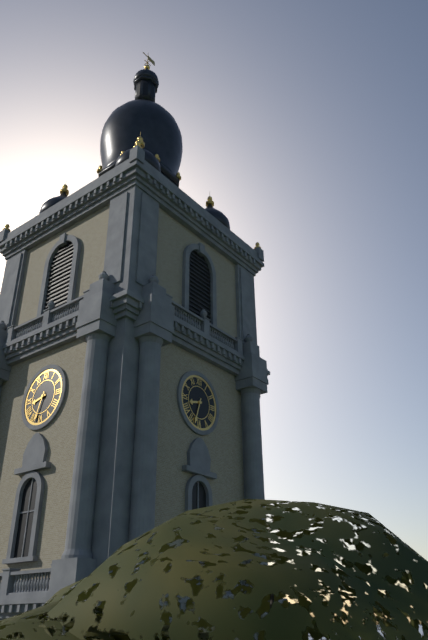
8:33
